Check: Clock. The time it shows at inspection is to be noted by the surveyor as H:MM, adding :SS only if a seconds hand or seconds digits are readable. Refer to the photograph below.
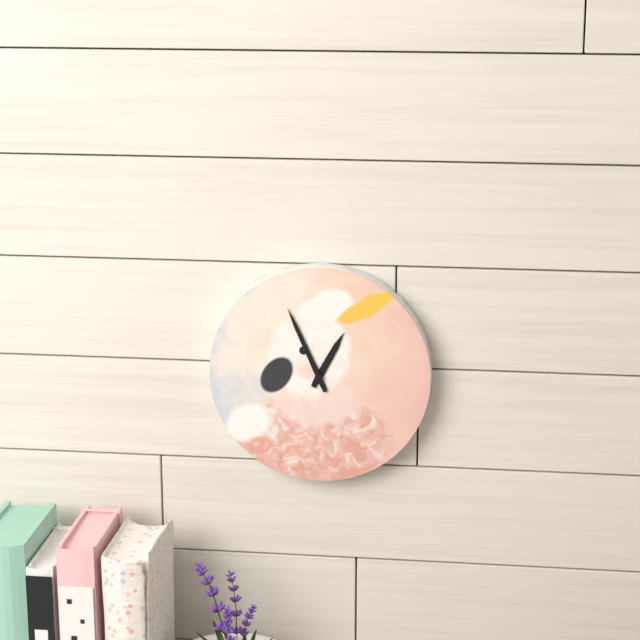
12:56
